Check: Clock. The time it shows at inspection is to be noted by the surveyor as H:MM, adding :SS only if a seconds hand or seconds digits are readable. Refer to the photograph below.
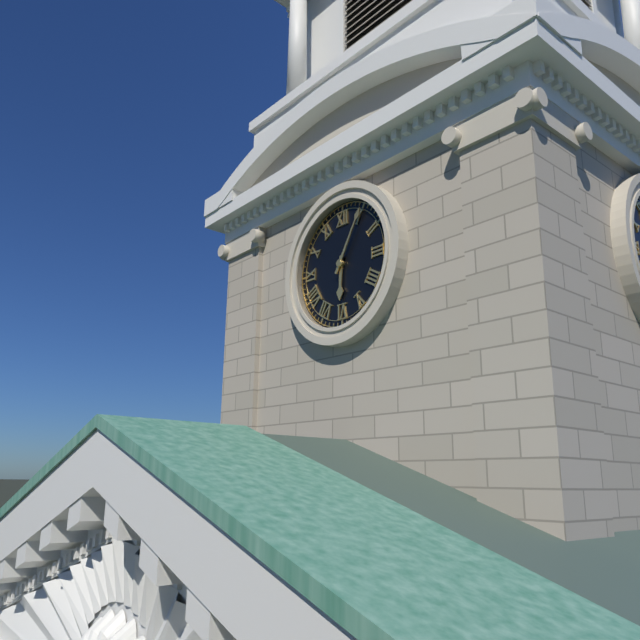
6:05
